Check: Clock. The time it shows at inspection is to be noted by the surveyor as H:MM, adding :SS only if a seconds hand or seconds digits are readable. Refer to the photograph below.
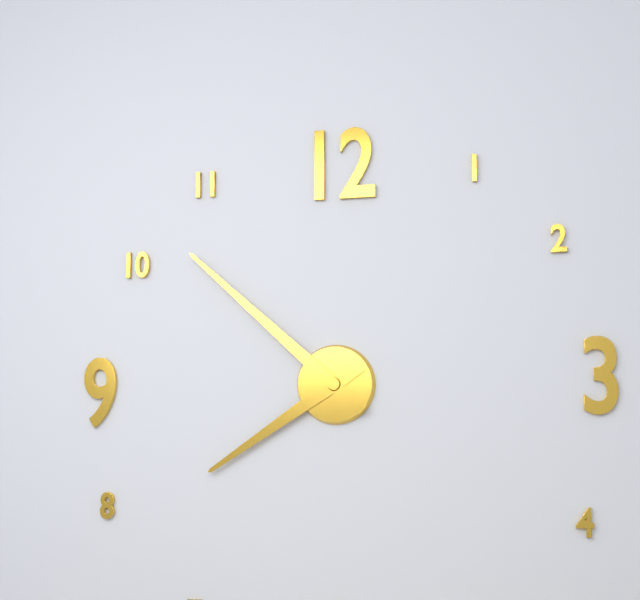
7:52
